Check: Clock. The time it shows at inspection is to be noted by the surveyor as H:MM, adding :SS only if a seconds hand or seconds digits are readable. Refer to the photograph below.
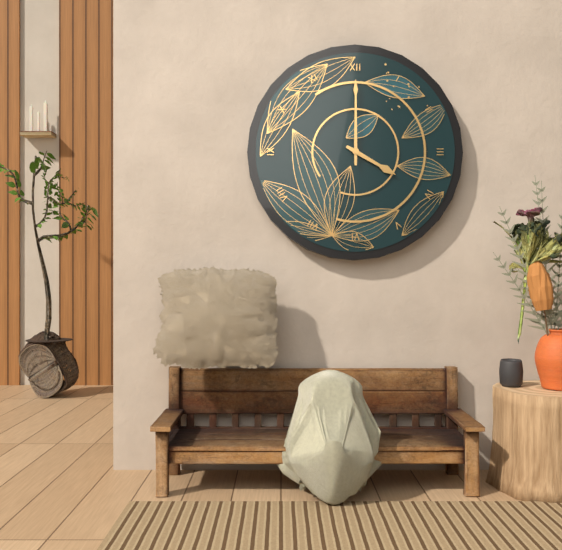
4:00
